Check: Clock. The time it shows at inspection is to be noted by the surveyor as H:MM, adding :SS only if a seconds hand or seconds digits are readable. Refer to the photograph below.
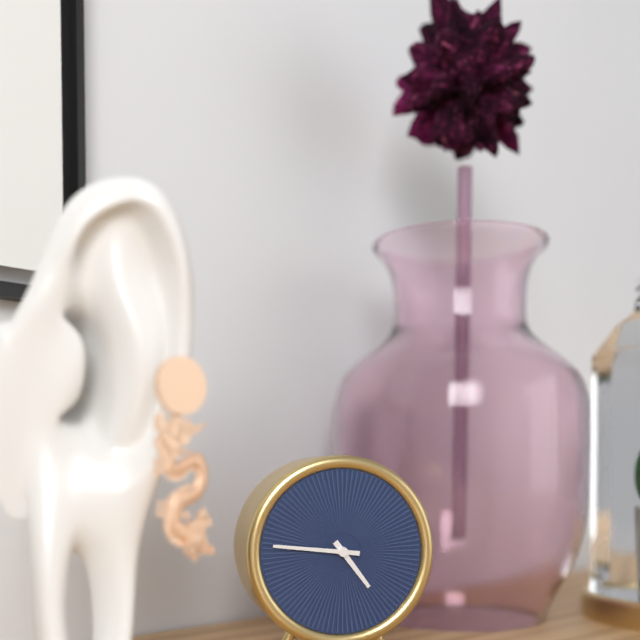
4:46
